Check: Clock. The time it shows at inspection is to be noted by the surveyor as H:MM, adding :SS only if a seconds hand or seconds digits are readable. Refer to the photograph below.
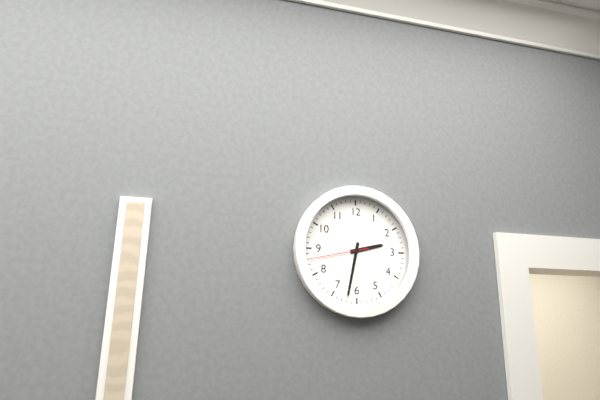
2:32:43
